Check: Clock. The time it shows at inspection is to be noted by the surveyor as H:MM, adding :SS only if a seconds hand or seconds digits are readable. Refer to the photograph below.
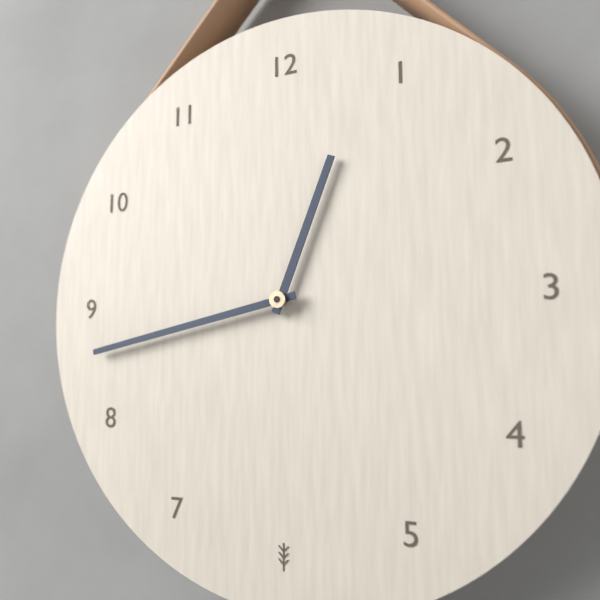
12:43
